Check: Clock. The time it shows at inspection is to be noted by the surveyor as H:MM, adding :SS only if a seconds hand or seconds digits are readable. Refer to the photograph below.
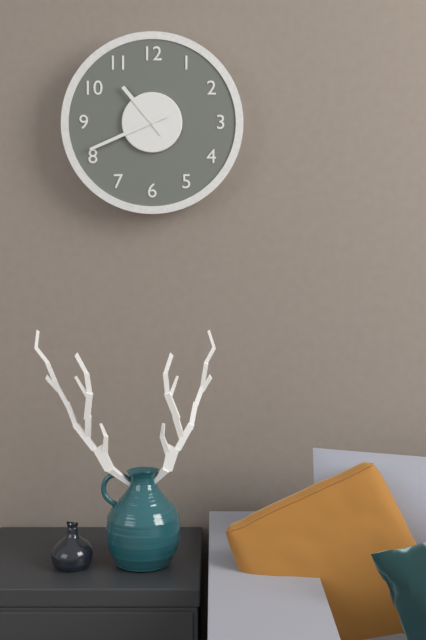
10:41
